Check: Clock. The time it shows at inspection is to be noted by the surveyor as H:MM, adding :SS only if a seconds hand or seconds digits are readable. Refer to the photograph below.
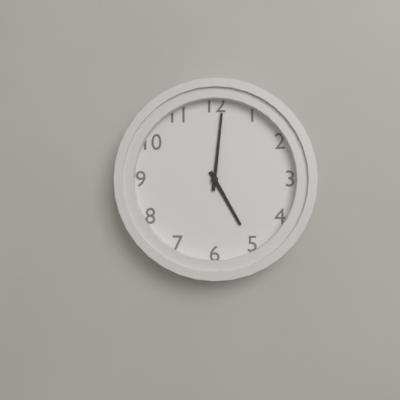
5:01
